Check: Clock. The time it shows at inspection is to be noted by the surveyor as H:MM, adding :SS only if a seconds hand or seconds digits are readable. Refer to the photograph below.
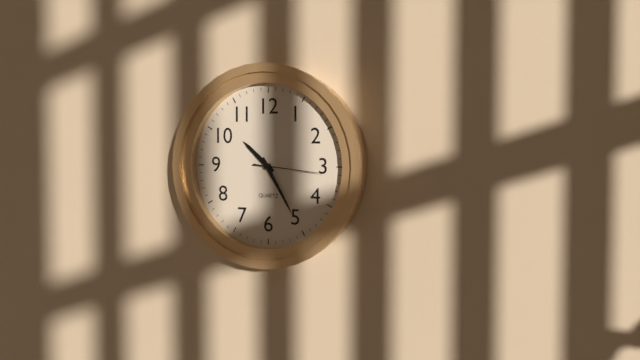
10:25:16
